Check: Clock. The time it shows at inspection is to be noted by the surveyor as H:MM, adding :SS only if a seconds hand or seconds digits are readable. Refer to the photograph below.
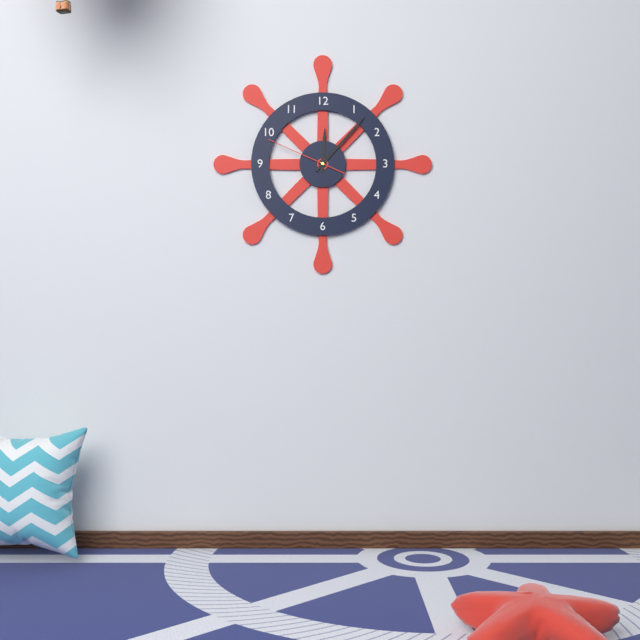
12:07:49
